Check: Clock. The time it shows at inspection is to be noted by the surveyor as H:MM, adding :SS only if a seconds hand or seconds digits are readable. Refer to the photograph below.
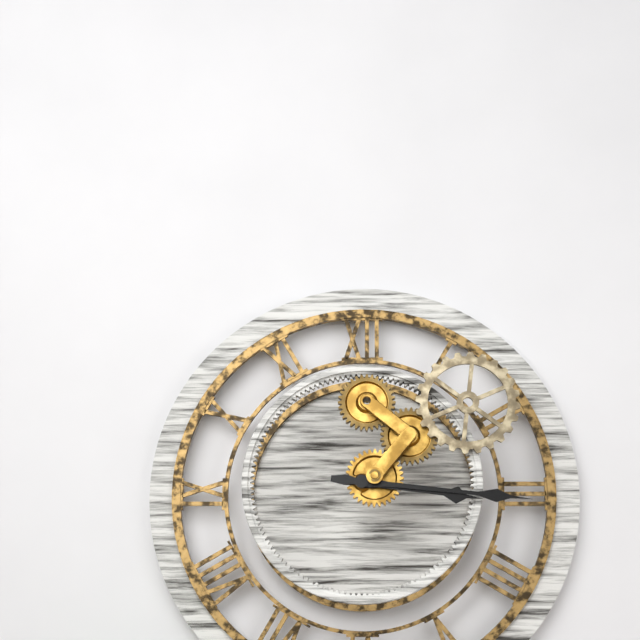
3:16
